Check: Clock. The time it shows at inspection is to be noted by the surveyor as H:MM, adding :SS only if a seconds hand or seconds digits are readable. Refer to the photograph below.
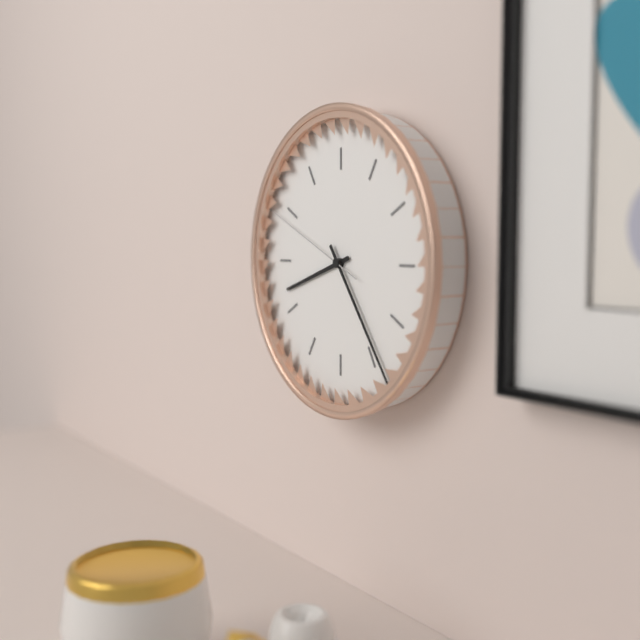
8:24:49
